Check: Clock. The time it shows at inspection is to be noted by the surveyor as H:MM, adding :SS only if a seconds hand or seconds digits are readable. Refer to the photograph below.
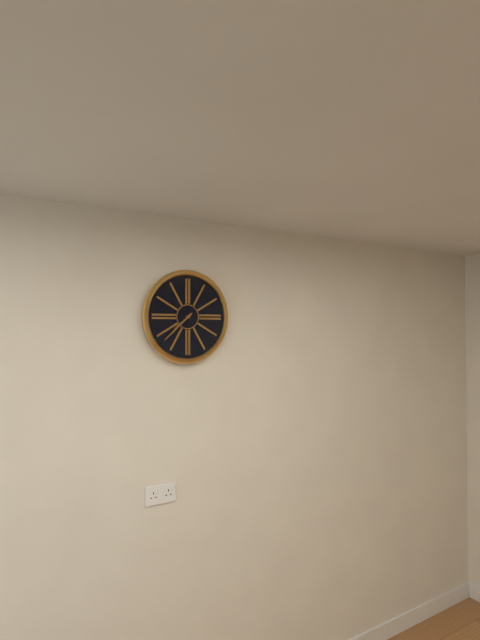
7:38
